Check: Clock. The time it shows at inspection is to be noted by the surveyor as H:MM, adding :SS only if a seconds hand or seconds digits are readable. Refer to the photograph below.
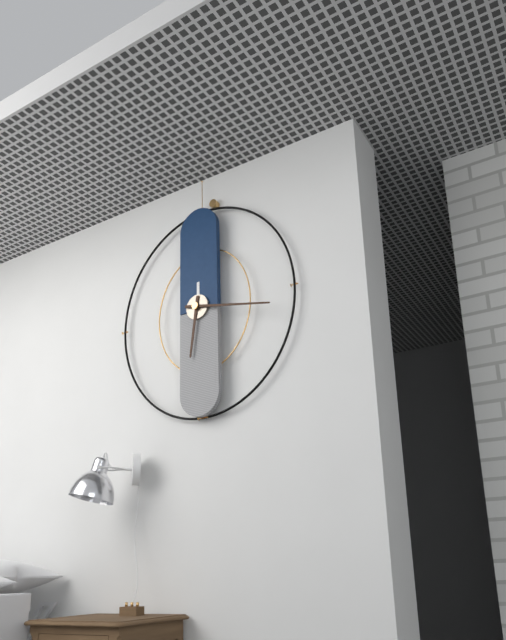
6:17
